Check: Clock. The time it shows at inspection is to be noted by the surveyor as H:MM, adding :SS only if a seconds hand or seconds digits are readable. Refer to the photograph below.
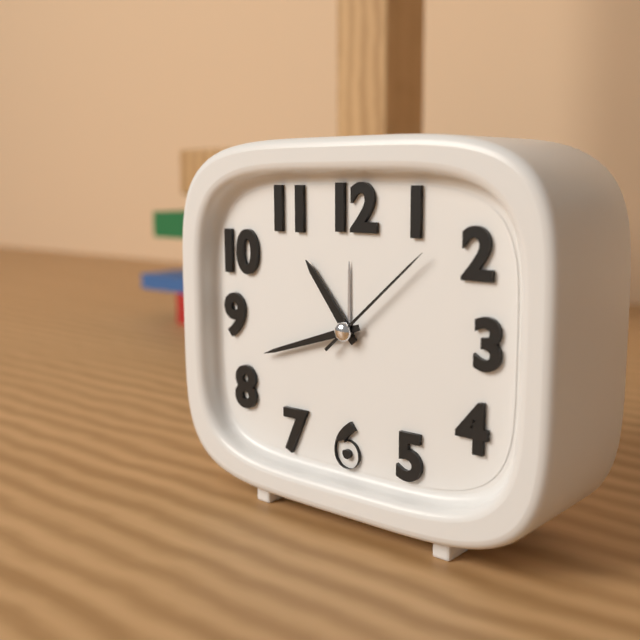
10:42:08
